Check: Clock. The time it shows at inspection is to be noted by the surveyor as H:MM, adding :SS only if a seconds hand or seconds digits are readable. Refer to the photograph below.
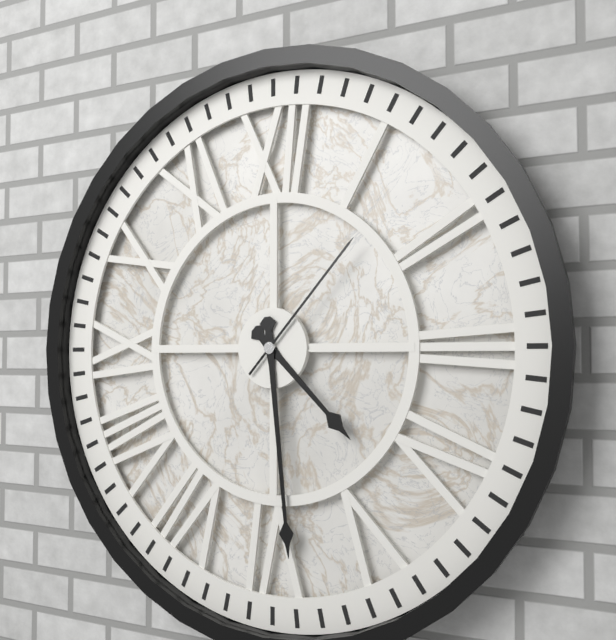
4:29:07
